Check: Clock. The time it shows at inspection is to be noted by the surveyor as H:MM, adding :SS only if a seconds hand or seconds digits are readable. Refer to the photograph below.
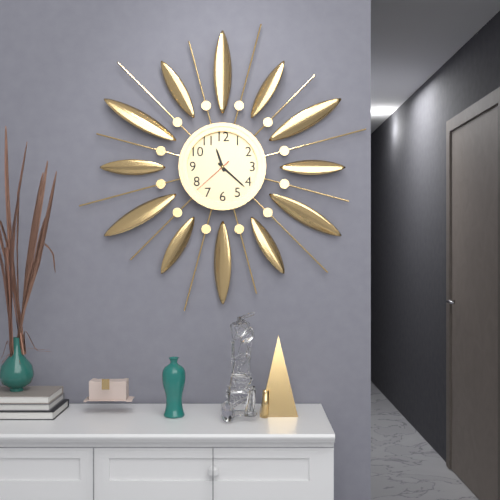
11:22
